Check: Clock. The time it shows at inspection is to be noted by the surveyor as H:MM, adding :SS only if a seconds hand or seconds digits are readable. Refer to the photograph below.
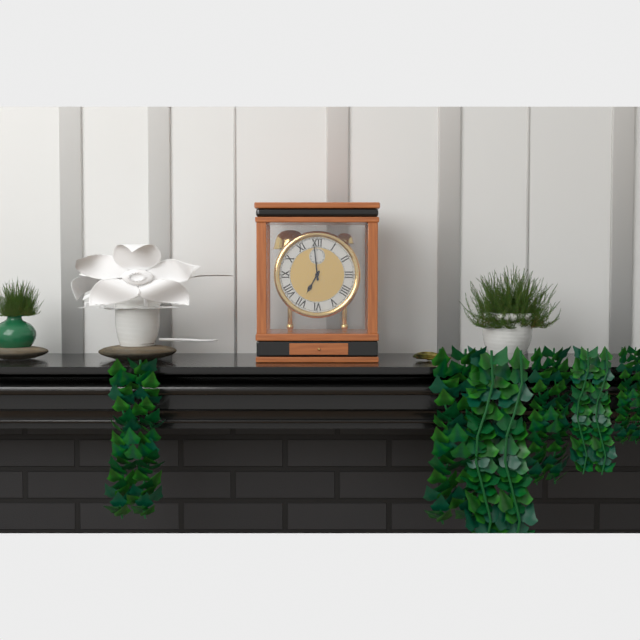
6:59
